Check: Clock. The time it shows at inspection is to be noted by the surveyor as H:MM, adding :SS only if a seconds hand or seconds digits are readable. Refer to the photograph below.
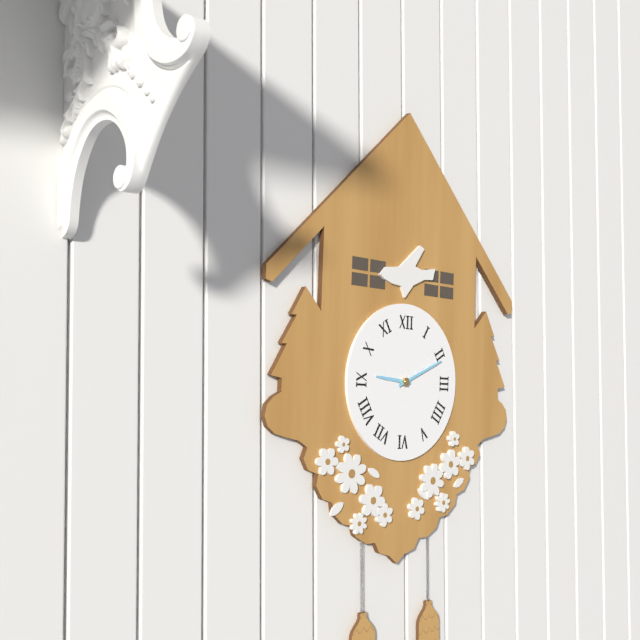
9:11
